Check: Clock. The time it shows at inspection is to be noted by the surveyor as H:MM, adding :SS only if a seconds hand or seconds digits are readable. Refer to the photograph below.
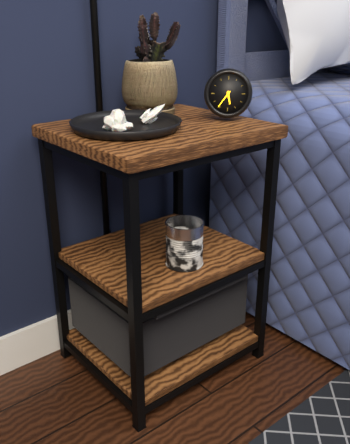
5:36
